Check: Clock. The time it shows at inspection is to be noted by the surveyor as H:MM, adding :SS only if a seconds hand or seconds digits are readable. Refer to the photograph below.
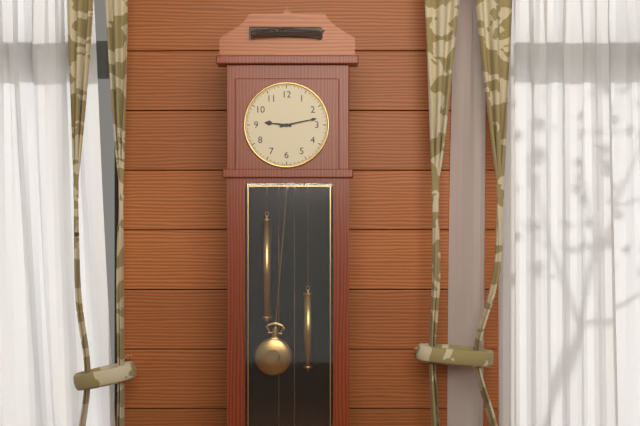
9:13
